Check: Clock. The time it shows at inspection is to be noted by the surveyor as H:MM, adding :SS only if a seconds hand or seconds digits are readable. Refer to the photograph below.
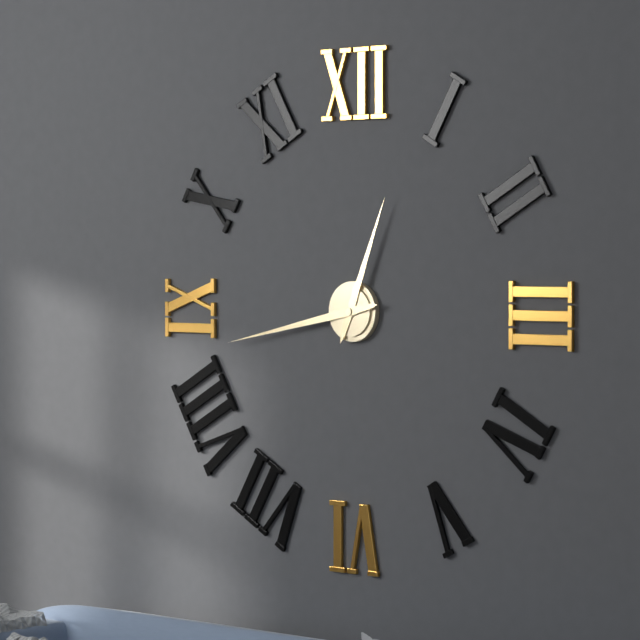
12:43
